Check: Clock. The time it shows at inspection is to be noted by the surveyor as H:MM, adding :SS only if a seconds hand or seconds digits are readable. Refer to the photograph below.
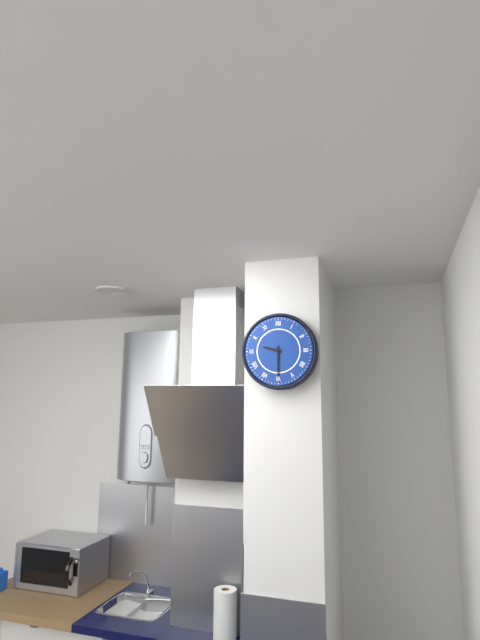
9:30
